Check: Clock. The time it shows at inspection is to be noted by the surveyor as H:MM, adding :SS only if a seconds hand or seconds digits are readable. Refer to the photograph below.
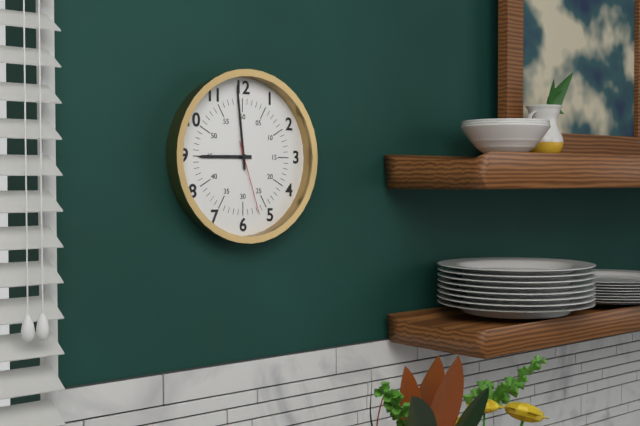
8:59:27
